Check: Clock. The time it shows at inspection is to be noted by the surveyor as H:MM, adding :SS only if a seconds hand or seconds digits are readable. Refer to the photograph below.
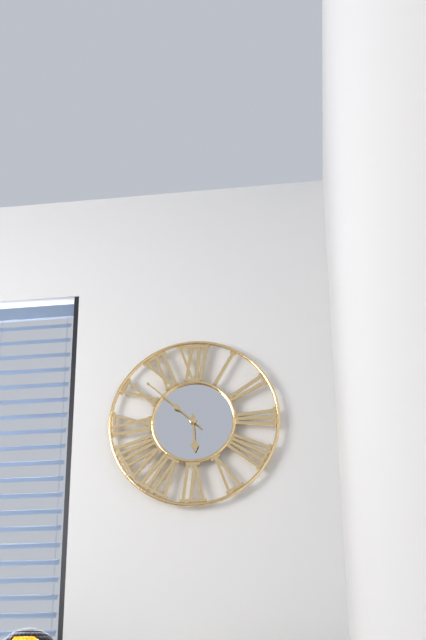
5:52
